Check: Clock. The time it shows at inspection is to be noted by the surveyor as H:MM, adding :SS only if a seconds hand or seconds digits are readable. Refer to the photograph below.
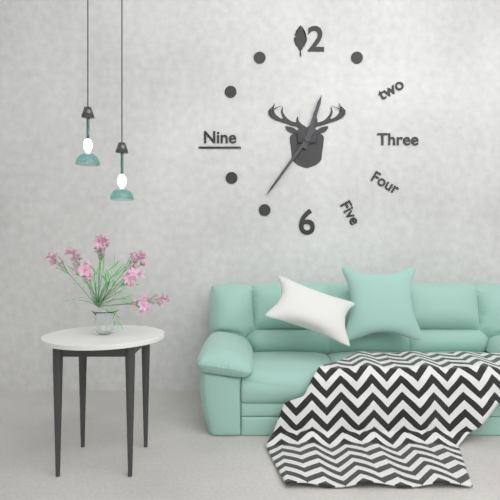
12:36
